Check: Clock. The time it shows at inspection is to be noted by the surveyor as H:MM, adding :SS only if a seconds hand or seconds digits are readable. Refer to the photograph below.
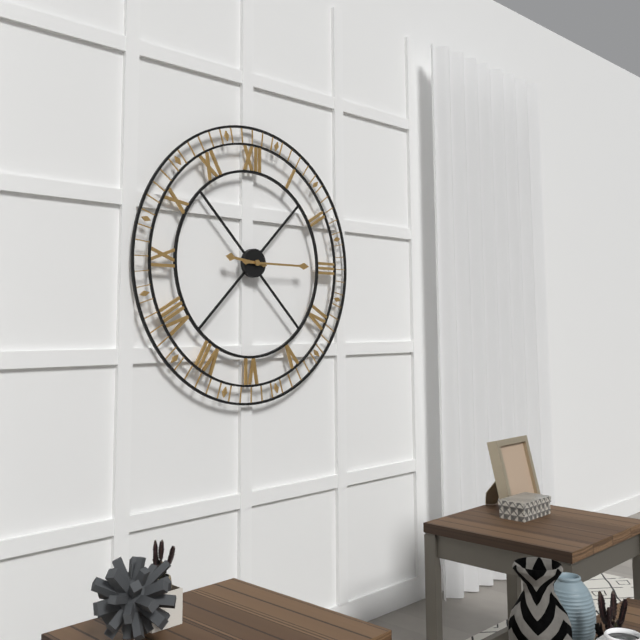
9:15
